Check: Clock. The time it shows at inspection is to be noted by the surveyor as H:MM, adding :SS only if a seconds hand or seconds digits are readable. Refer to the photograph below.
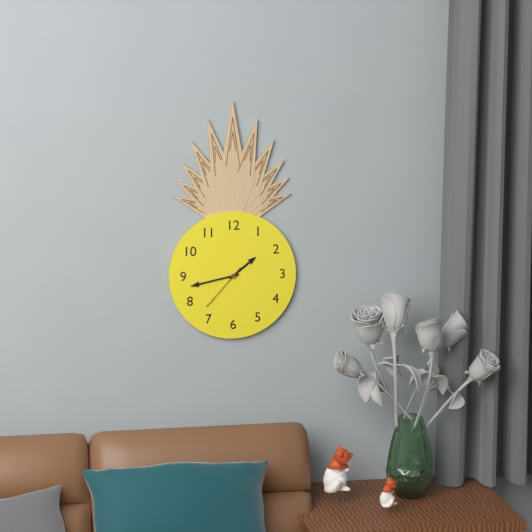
1:43:37
